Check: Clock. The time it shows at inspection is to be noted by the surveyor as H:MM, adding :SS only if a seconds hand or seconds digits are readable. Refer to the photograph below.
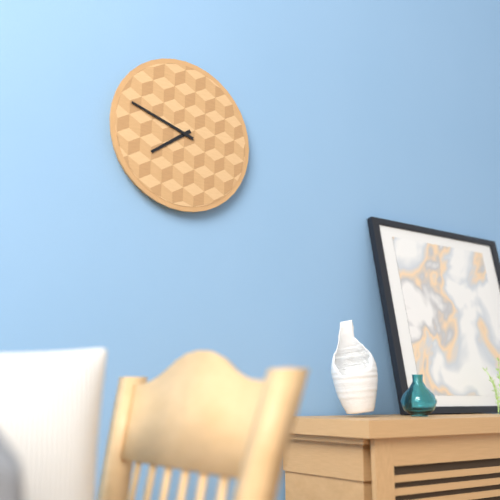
7:48
